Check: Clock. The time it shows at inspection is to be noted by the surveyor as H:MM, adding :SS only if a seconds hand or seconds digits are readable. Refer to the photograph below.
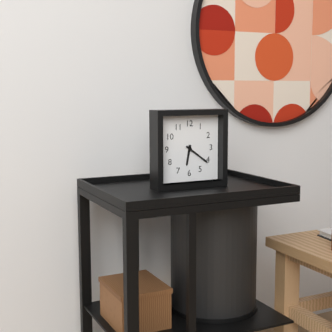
6:21
